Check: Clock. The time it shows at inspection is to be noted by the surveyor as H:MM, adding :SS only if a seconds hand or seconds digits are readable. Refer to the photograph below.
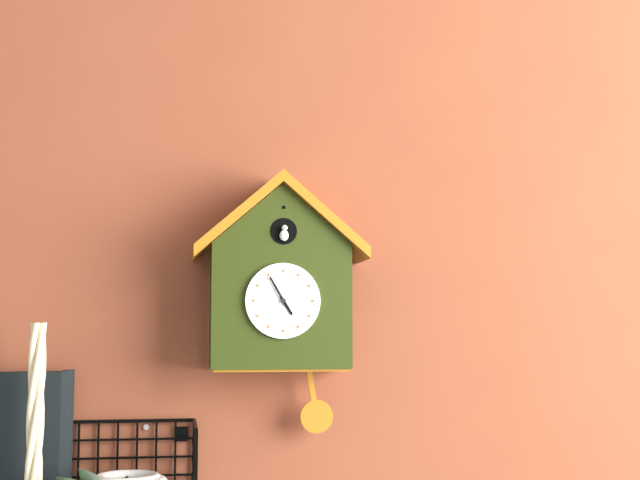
4:55
